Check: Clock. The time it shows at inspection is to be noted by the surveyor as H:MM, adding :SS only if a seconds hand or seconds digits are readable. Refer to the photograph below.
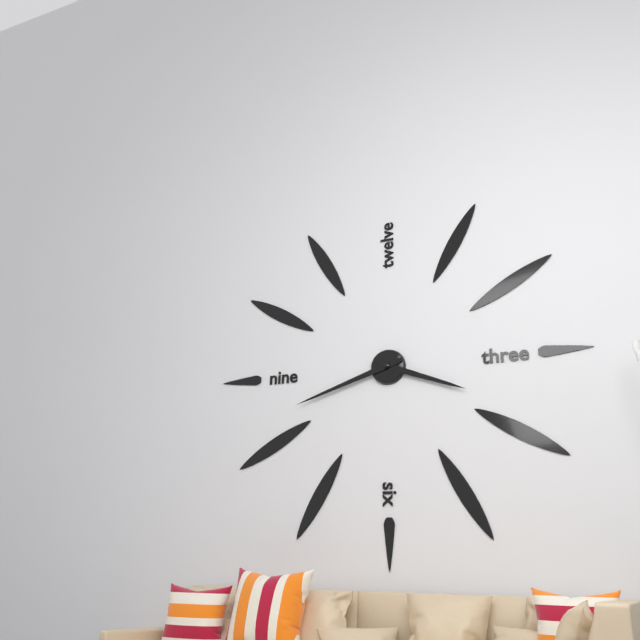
3:42
